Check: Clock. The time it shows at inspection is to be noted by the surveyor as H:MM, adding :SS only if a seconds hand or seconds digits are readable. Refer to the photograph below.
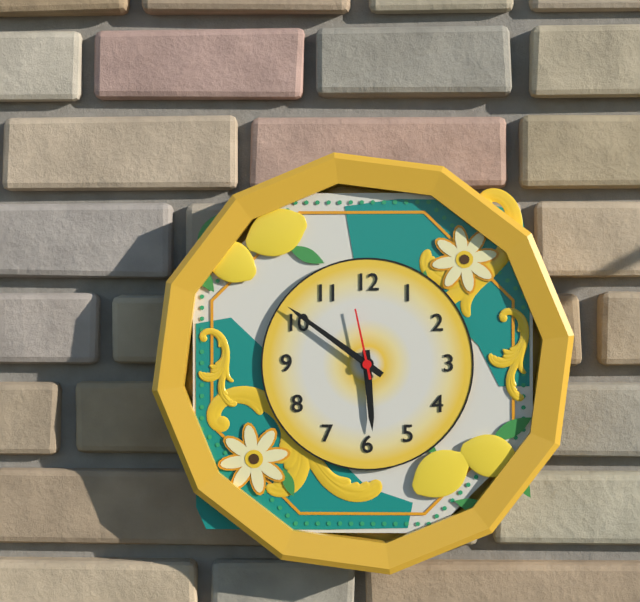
5:51:58
